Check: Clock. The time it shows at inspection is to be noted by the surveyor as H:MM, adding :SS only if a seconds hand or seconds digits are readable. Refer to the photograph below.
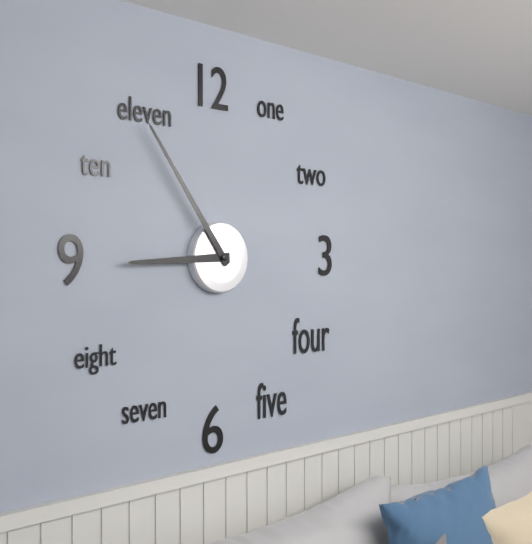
8:54
